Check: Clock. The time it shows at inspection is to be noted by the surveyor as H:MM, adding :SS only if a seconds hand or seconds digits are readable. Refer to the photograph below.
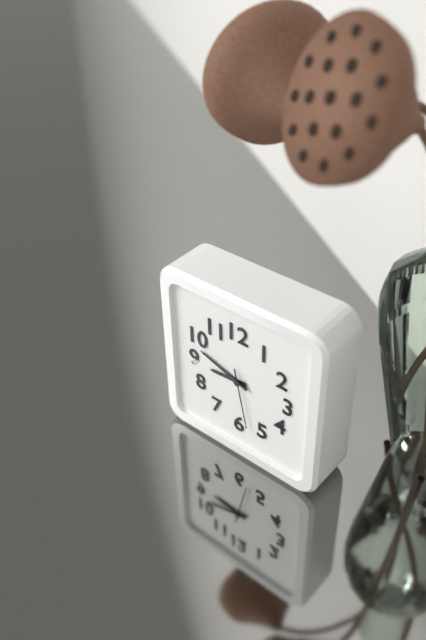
8:48:28
